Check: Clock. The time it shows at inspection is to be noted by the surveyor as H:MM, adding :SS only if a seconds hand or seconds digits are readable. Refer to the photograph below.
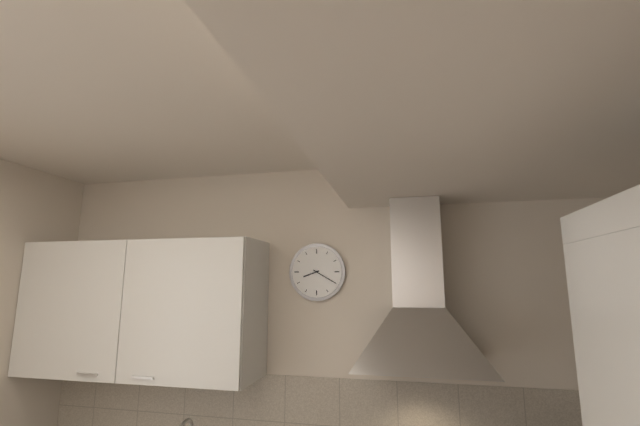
8:20
